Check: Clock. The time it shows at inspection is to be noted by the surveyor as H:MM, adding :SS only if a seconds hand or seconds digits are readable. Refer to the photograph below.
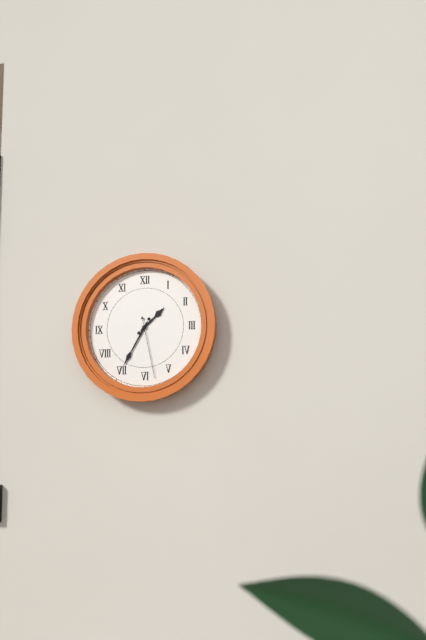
1:35:28
